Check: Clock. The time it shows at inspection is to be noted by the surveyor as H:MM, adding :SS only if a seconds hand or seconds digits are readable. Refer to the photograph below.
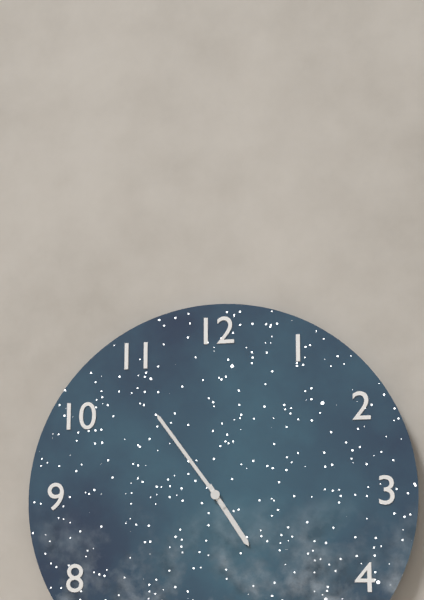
4:54
